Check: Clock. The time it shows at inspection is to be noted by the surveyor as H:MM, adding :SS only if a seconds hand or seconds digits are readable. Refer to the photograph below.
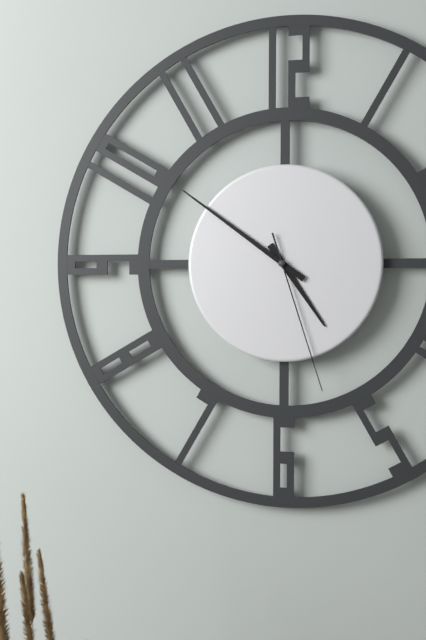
4:51:27
